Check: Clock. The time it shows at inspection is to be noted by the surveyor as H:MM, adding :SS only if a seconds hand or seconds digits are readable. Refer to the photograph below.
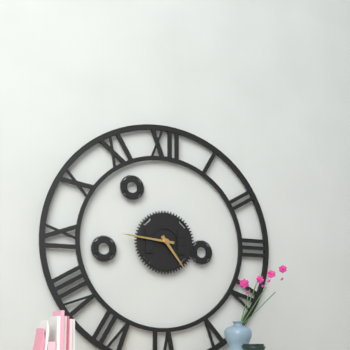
4:46
